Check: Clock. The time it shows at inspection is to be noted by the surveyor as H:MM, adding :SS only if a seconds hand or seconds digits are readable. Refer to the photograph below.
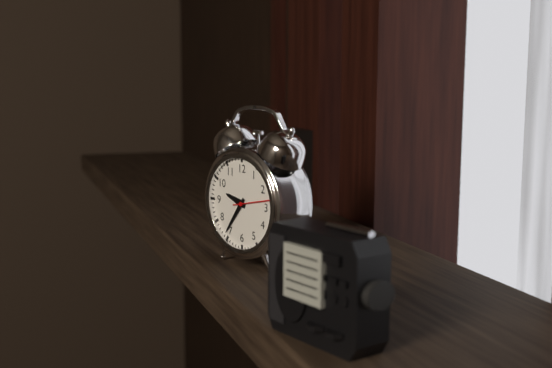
9:36
